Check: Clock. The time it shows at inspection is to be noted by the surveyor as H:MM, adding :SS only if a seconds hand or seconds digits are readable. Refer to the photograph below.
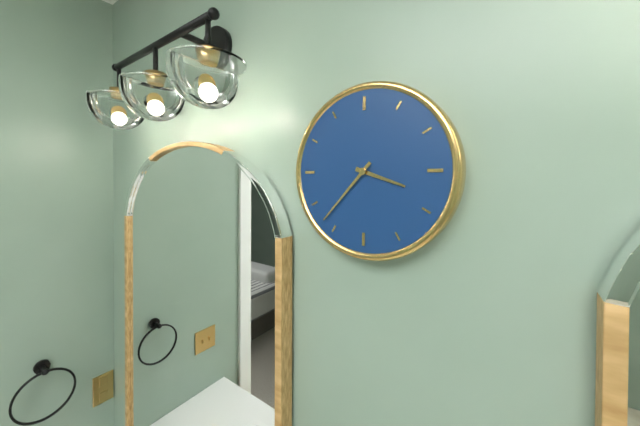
3:37
